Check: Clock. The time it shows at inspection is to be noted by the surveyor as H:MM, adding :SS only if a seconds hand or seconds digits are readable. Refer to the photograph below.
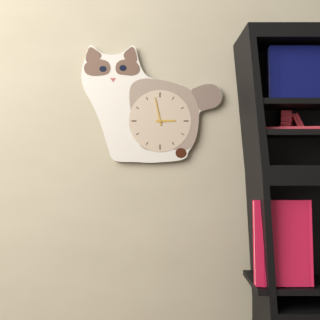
2:58
